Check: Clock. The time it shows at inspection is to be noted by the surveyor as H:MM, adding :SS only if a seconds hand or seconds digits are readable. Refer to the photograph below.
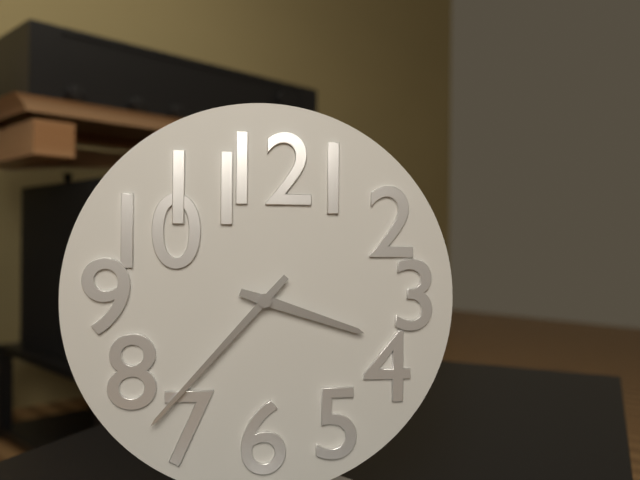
3:37
